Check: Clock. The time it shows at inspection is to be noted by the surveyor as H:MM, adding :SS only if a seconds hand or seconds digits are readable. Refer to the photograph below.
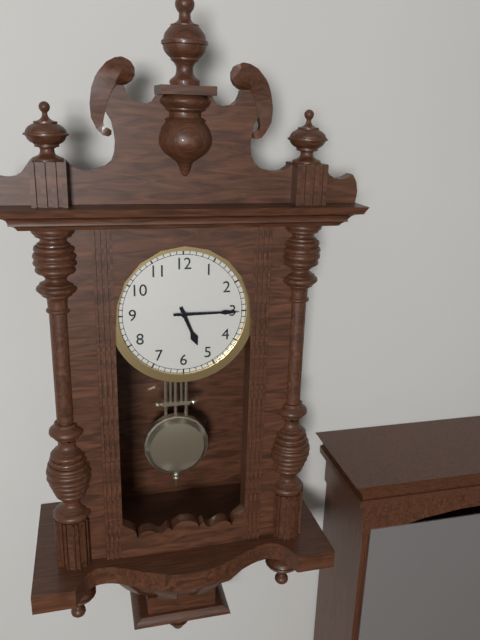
5:15
